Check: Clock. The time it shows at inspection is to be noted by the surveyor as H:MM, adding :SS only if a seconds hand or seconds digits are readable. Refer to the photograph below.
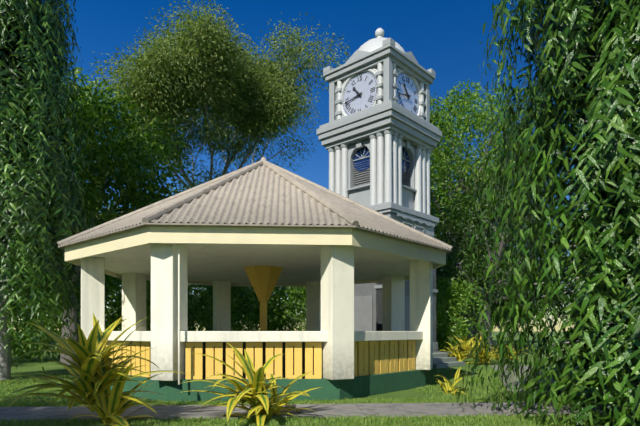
10:43
